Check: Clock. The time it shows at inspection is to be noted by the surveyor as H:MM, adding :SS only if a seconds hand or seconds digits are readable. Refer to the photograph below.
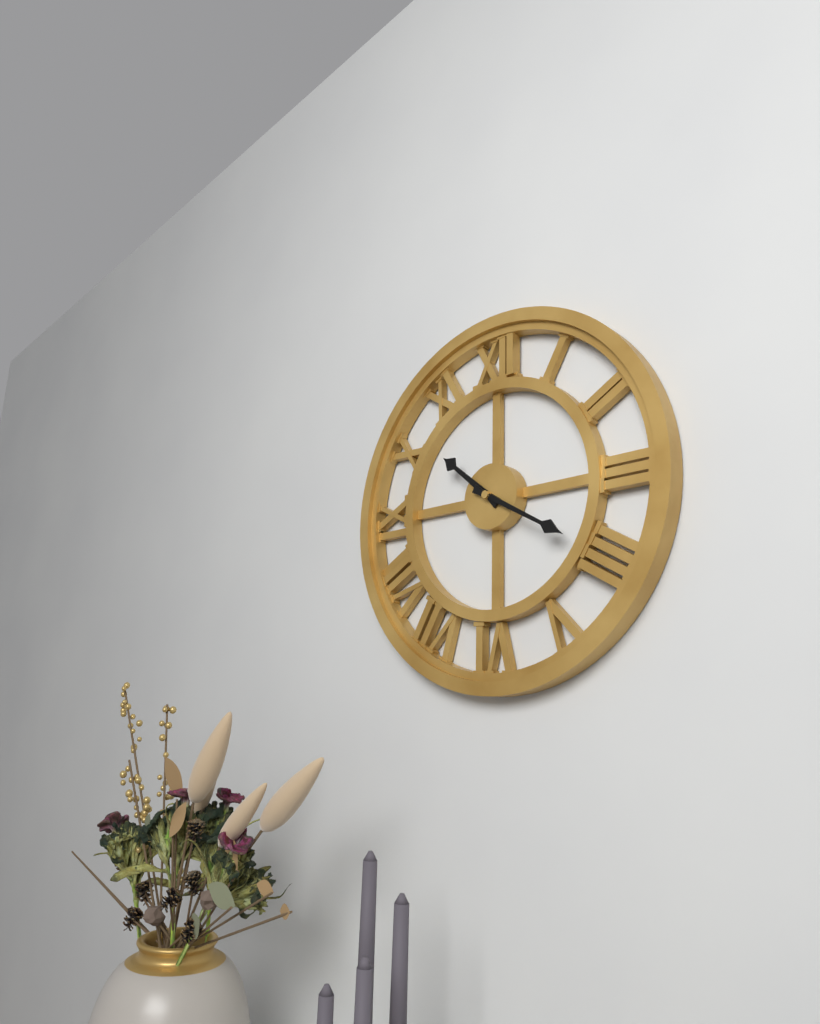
10:20
